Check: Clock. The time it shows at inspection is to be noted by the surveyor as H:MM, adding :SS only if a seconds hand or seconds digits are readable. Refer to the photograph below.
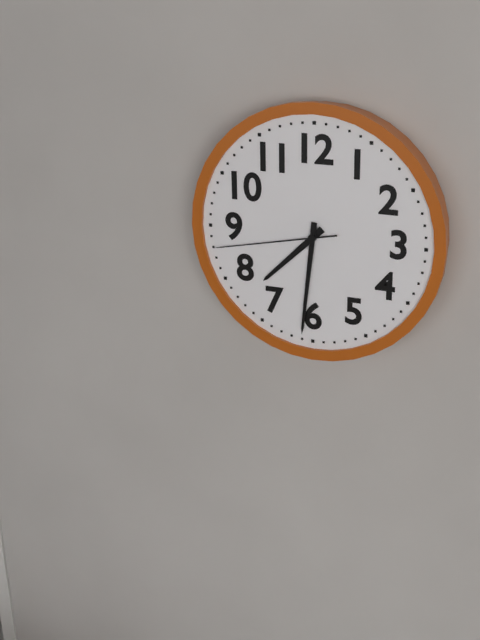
7:31:43
